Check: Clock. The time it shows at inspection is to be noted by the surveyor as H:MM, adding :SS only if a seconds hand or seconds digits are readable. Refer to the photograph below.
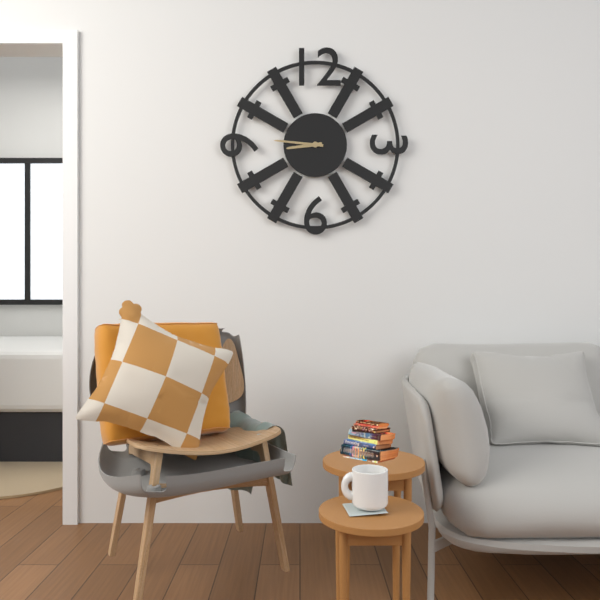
8:46
